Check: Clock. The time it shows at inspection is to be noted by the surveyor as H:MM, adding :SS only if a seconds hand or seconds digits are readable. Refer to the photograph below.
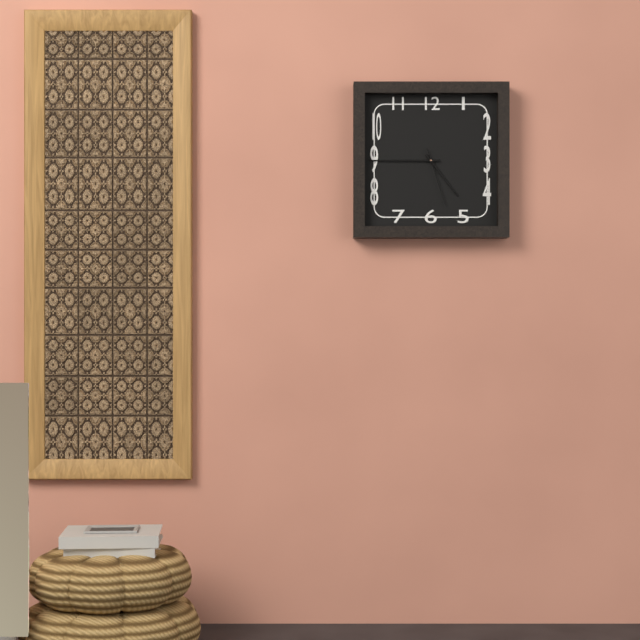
4:45:27
